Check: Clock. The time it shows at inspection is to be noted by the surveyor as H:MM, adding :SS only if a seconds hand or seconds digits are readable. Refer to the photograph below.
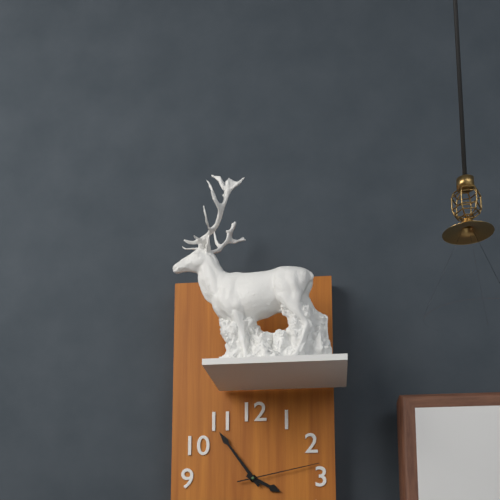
3:54:13
